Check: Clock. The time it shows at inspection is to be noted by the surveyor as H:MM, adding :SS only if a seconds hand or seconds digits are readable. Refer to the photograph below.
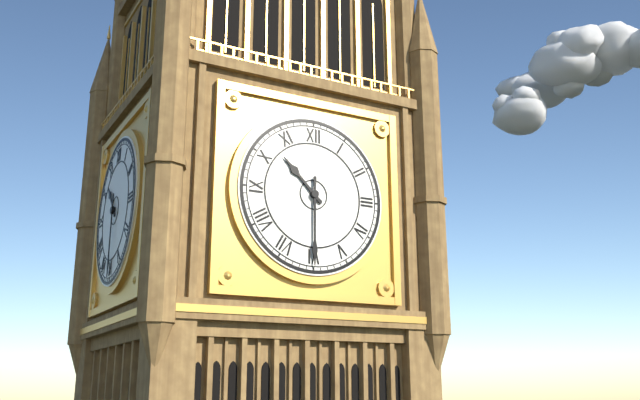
10:30
